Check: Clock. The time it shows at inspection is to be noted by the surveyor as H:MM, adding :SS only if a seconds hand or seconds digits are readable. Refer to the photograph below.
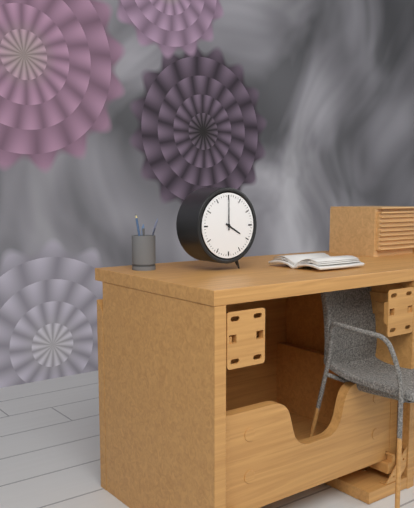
4:00
